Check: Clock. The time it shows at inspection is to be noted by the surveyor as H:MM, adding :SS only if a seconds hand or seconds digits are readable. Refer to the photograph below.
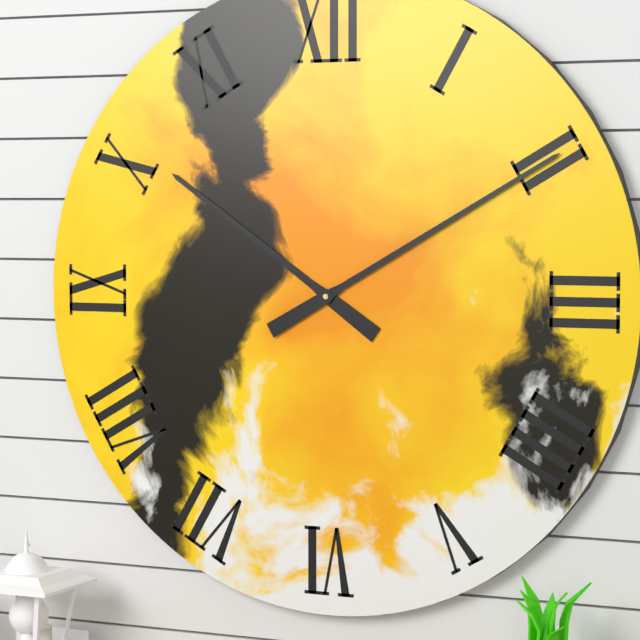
10:10
